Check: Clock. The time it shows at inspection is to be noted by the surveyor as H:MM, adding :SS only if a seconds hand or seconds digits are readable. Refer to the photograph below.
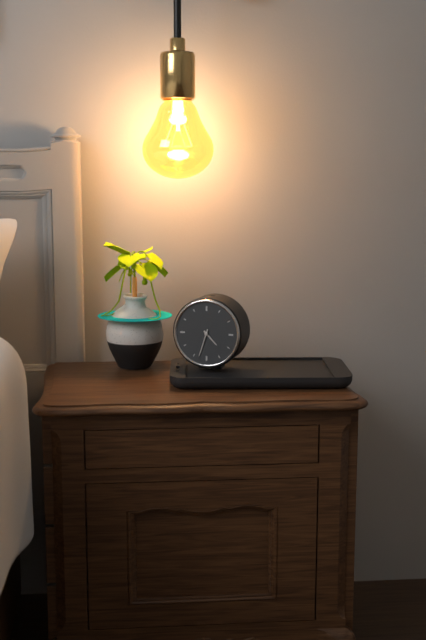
4:33
